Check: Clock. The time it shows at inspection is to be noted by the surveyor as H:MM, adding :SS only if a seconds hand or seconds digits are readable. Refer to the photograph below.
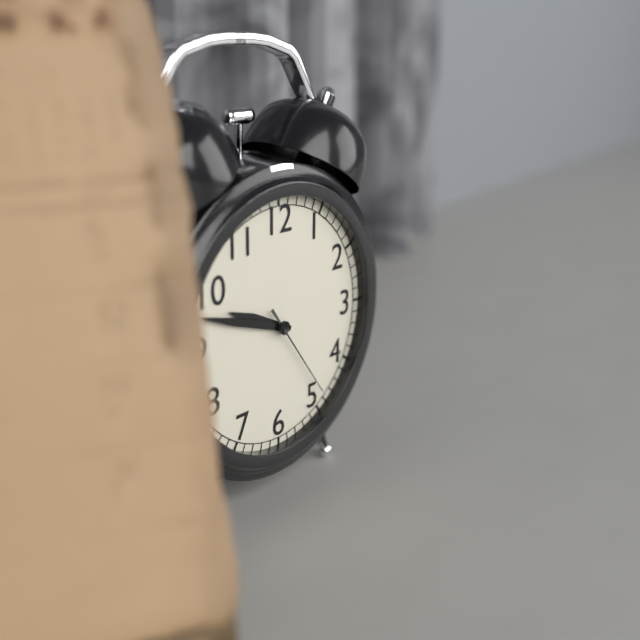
9:48:24
